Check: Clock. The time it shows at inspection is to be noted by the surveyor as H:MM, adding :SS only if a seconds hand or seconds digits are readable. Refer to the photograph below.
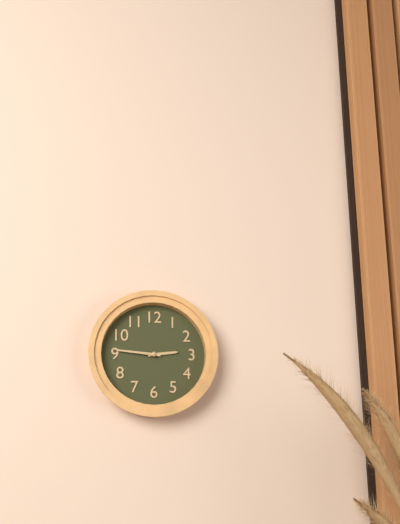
2:46
